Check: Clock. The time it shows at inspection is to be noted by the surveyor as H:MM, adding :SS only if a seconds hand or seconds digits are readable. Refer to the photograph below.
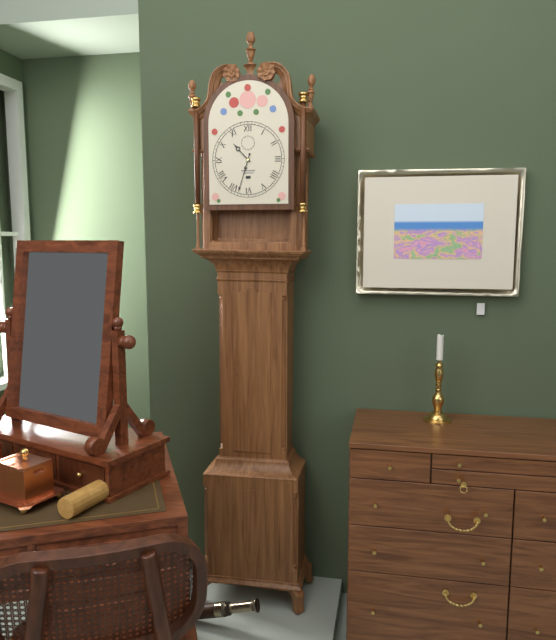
10:33
